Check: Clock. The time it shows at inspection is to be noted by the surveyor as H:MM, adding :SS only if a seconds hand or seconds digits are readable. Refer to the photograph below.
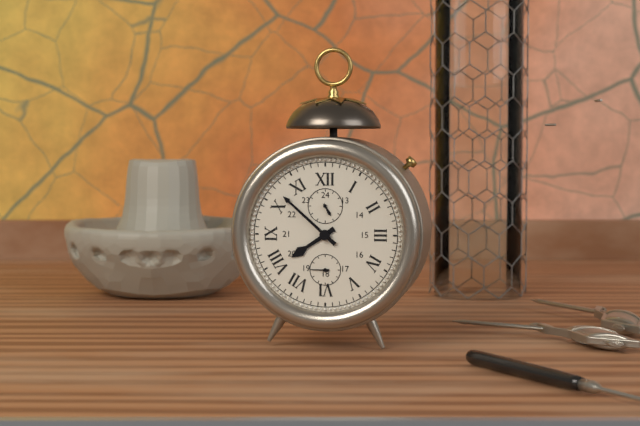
7:52
